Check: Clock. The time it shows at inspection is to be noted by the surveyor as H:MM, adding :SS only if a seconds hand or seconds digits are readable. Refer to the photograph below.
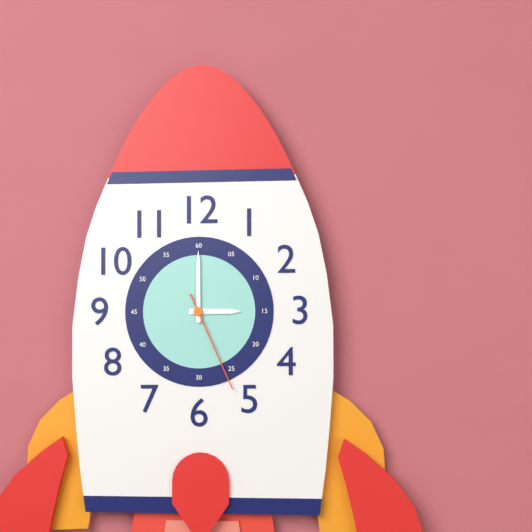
3:00:26
